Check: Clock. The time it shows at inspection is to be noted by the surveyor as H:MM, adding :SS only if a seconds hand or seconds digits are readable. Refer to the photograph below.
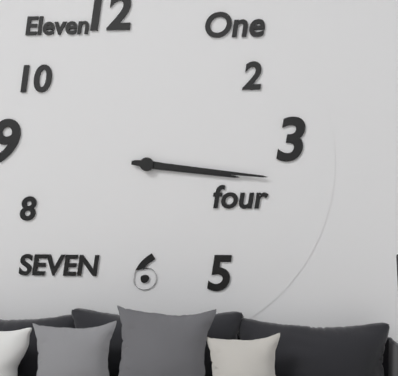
3:16
